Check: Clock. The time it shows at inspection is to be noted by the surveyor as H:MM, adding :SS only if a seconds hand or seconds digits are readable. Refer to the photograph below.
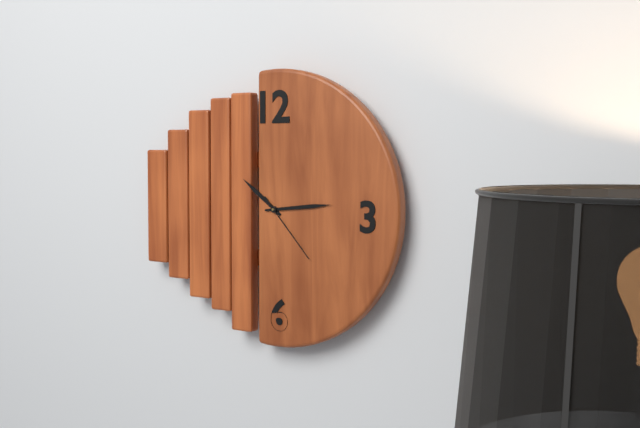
10:14:23
